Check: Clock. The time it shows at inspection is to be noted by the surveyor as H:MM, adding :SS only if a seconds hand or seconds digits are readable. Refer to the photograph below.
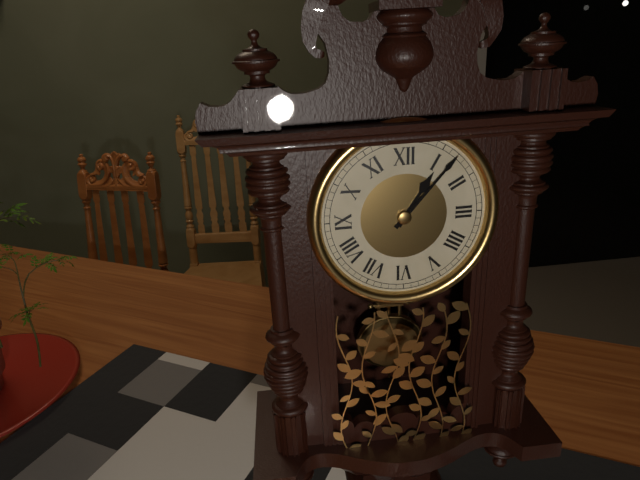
1:07
